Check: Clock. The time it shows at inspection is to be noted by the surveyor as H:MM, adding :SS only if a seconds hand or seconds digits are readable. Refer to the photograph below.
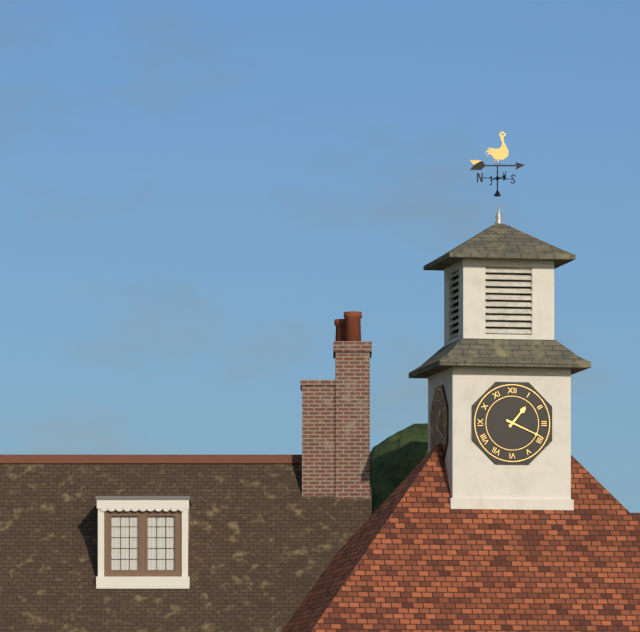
1:19
